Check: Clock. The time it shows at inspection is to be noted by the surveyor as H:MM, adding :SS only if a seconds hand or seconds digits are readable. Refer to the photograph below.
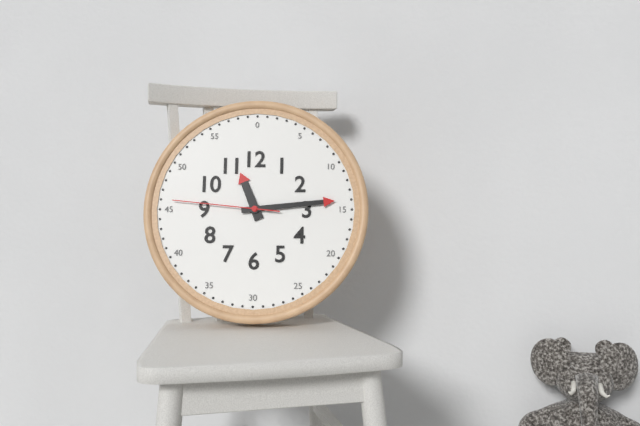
11:14:46
